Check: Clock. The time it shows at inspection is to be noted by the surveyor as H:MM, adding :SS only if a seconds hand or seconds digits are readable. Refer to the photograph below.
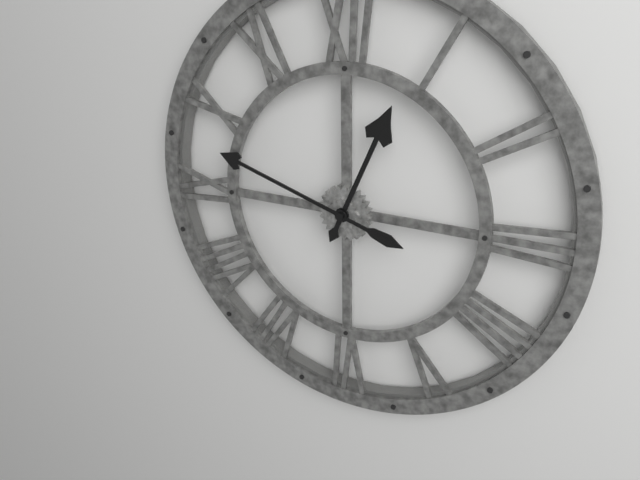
12:48
